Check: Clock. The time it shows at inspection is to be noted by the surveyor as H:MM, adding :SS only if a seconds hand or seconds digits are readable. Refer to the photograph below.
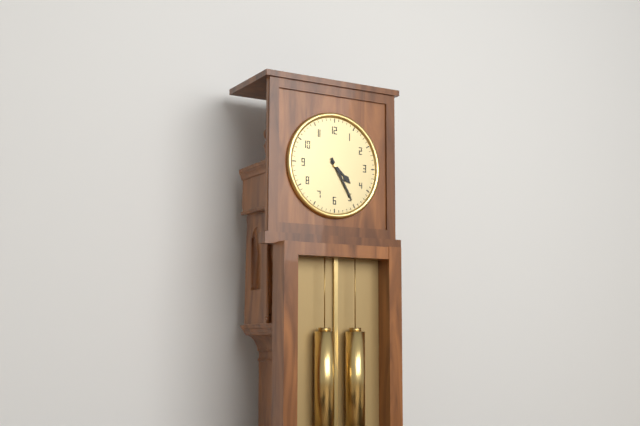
4:25
